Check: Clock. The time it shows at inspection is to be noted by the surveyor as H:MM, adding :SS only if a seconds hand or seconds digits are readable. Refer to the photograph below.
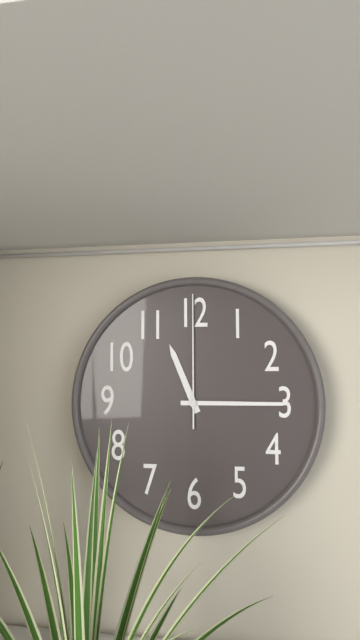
11:15:00
